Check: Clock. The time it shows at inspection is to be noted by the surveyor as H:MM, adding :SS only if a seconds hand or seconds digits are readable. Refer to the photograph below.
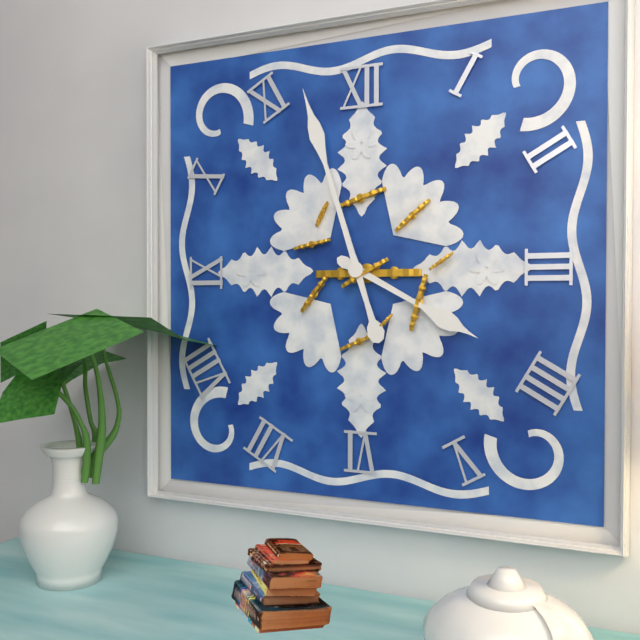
3:57
